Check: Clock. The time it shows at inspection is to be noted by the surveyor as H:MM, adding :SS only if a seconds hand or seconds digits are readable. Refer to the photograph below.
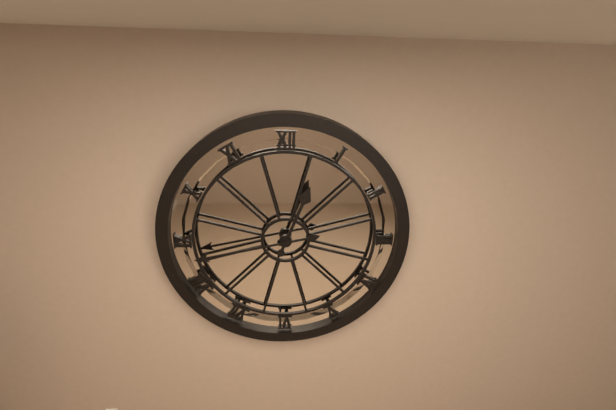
12:43
